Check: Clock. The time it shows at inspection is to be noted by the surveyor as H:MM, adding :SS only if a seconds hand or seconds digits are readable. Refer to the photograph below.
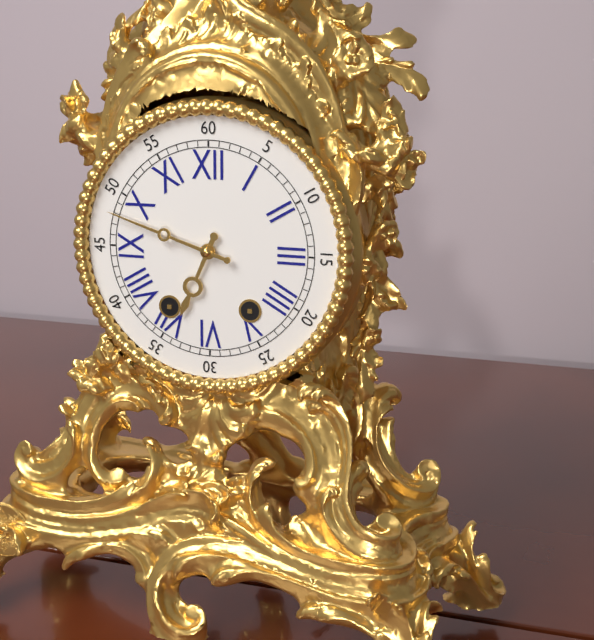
6:48
